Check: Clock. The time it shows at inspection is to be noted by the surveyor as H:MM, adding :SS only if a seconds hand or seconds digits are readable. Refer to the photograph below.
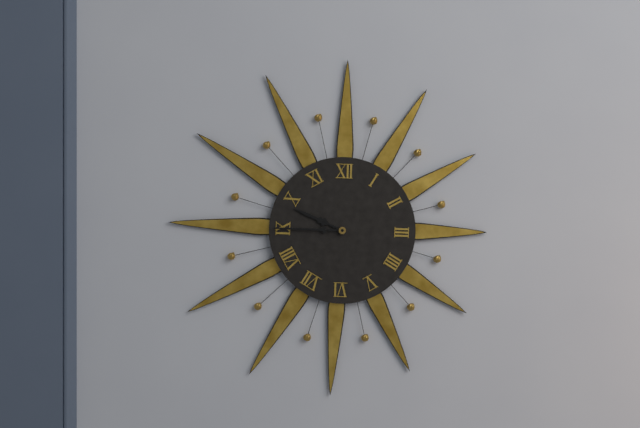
9:45
